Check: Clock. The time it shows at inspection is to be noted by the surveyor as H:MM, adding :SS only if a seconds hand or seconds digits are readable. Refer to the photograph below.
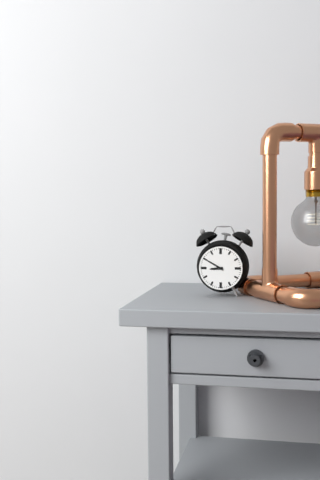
8:50
